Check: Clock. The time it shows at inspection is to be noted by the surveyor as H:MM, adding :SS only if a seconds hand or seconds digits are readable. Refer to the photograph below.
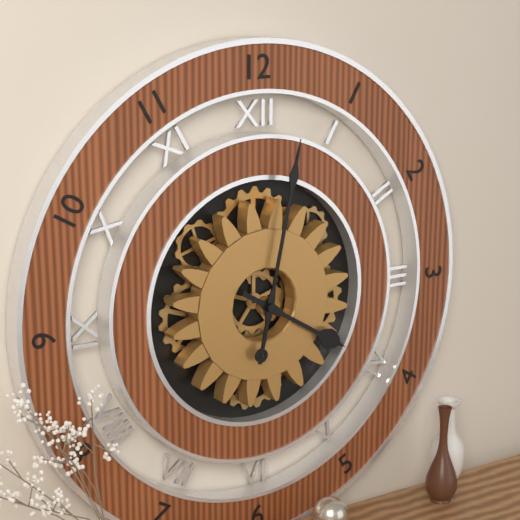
4:02
